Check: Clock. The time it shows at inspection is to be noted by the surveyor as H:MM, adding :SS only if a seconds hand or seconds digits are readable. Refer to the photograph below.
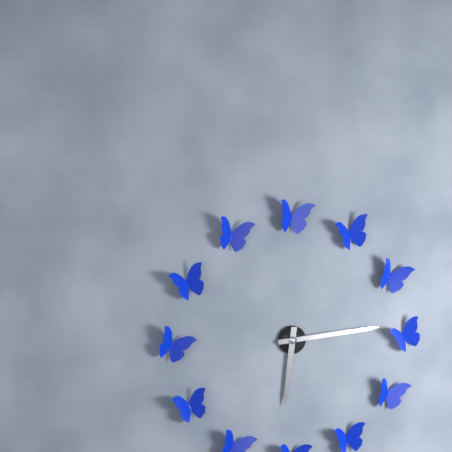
6:14
